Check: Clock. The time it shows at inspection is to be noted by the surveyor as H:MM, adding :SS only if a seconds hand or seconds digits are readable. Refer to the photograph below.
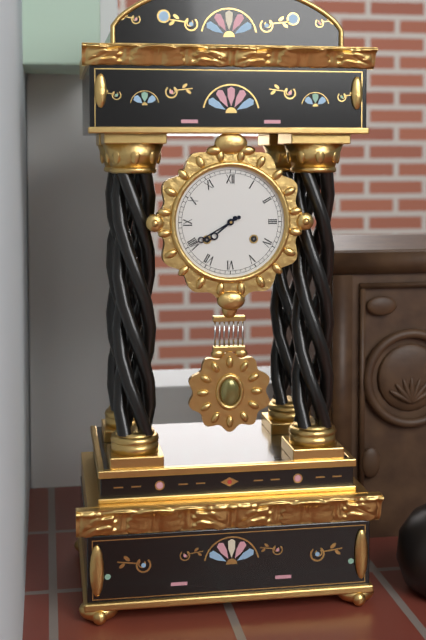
7:40
